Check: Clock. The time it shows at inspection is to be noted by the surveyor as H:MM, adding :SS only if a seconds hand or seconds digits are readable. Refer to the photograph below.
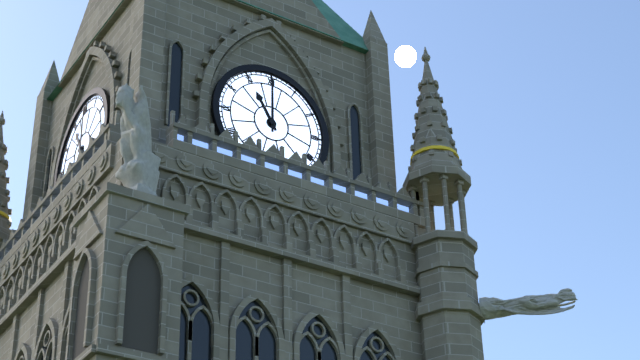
11:00
